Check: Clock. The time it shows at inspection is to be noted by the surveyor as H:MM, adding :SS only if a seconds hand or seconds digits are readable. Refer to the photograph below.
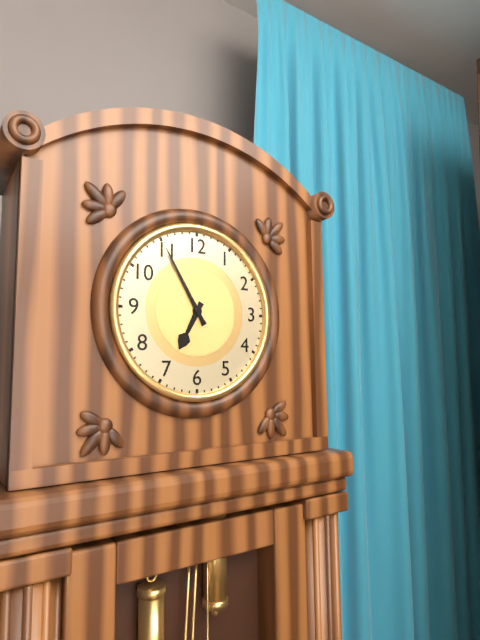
6:55
